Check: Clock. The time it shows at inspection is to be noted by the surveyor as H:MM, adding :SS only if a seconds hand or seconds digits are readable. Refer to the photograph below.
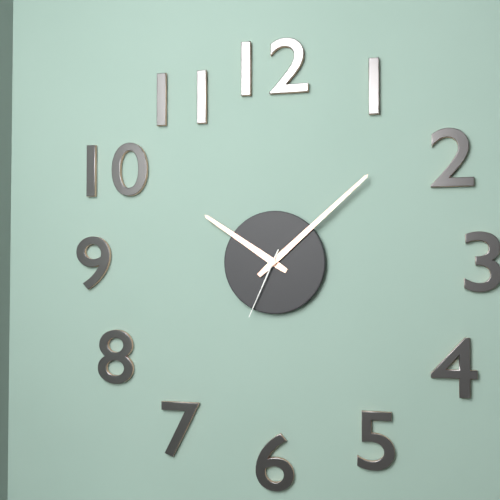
10:08:34
